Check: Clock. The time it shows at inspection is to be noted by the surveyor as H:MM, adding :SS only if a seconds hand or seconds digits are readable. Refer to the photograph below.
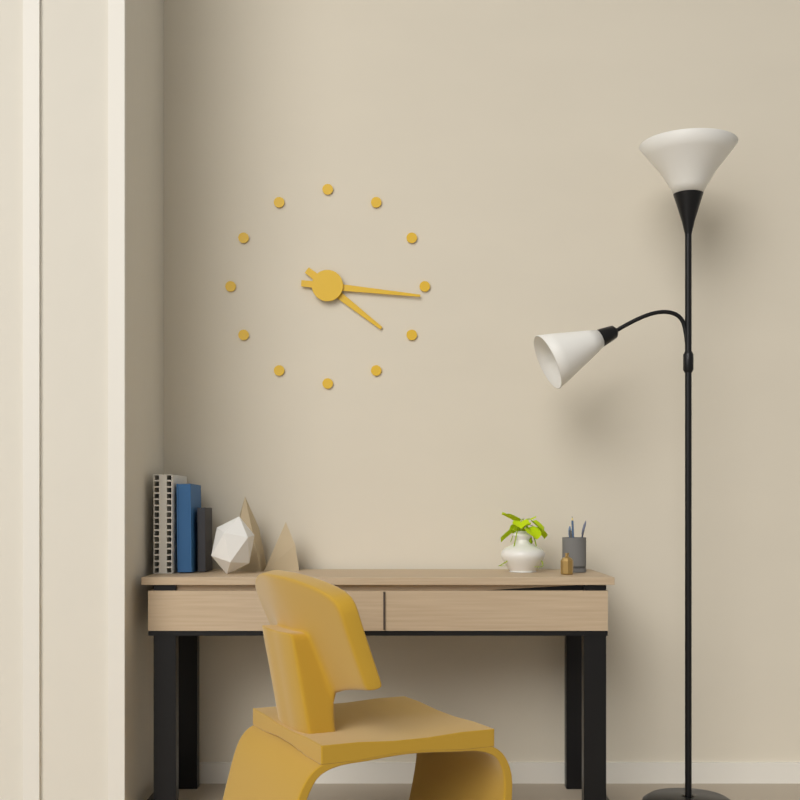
4:16
